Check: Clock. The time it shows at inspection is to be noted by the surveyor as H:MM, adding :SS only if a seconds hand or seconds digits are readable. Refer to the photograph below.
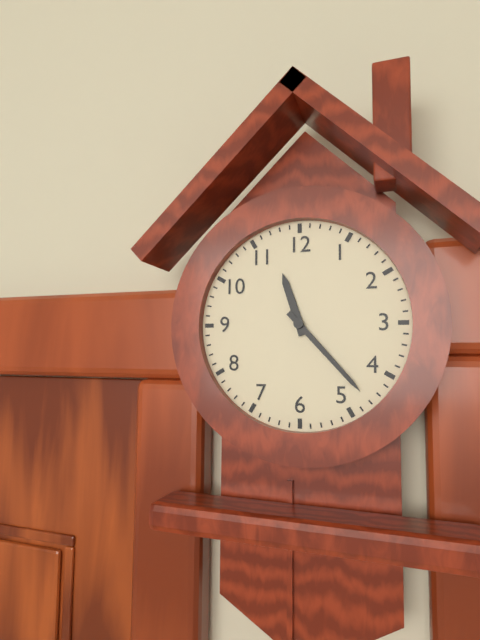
11:23
